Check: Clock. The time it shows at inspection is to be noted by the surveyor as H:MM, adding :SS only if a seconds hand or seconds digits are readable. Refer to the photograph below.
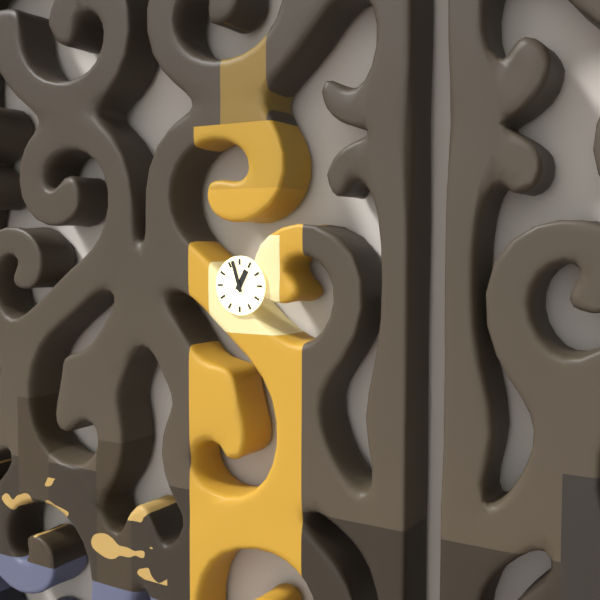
12:57
